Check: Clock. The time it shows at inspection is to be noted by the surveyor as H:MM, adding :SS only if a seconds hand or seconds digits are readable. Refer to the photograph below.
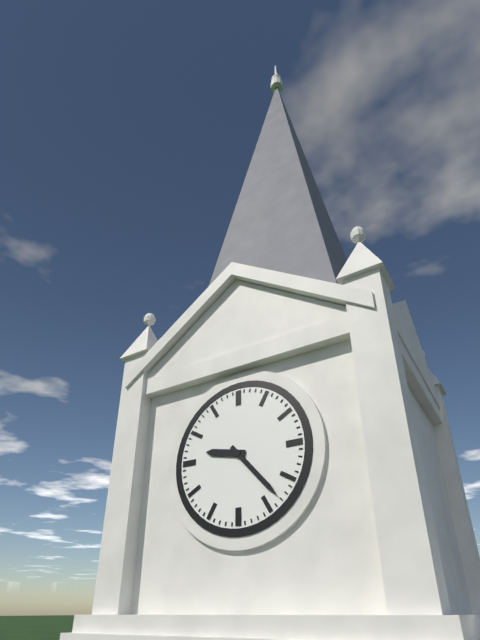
9:23
